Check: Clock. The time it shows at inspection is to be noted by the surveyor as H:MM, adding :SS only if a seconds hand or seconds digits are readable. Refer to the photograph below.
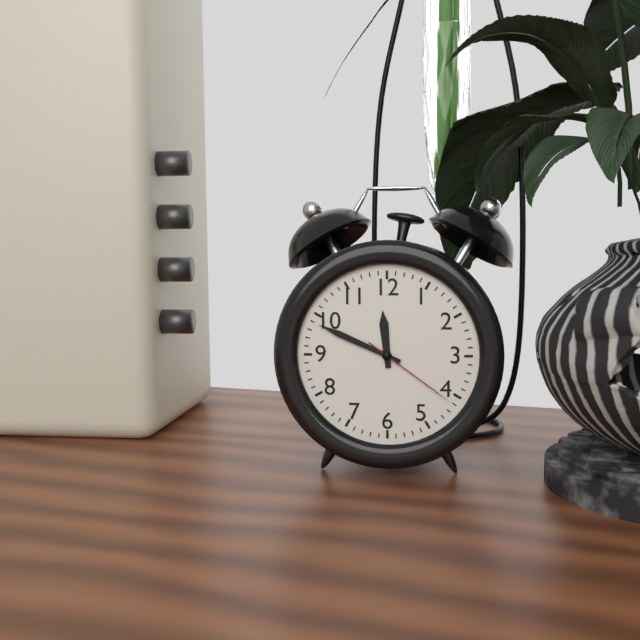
11:49:21
